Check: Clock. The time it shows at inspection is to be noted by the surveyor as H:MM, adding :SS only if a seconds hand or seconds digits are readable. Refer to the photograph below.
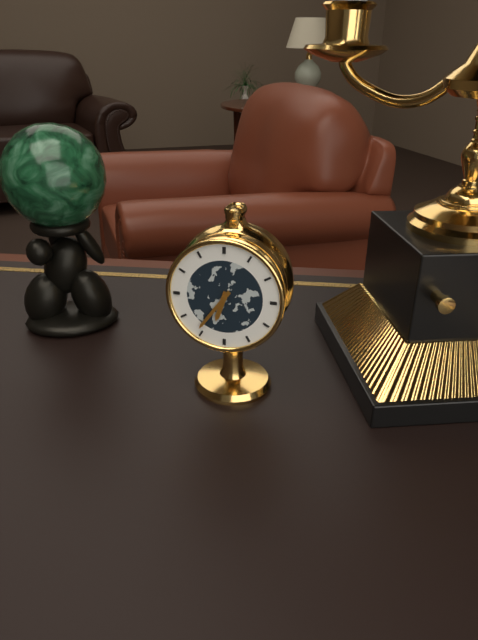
6:36
